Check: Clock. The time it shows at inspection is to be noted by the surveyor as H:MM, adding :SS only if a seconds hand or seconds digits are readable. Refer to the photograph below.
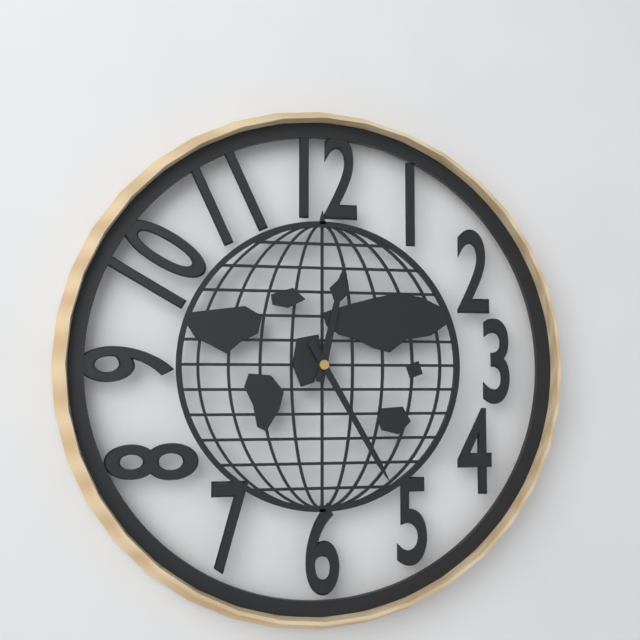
12:25
